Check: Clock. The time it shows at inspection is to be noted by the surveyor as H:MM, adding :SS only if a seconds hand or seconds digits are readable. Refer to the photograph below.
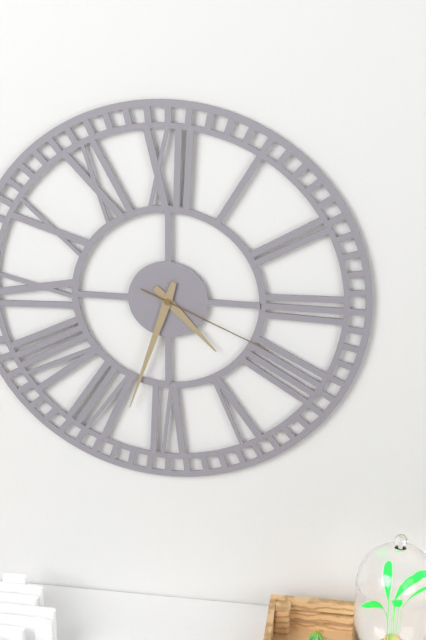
4:33:19
